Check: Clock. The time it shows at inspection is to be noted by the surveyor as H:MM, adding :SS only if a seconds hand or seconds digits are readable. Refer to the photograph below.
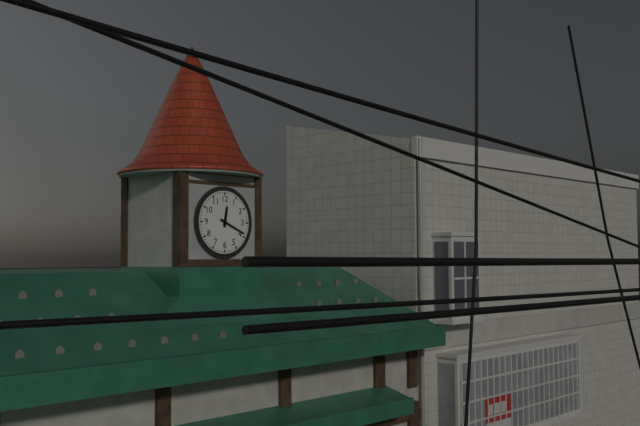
12:19
